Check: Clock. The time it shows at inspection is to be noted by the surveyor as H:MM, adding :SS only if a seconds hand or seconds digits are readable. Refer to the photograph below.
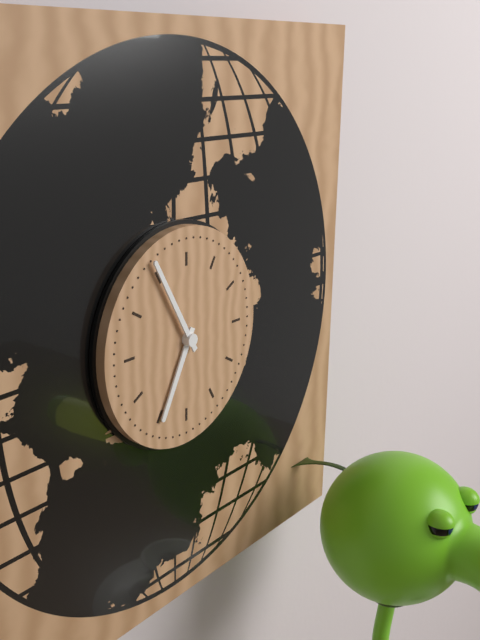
6:55
